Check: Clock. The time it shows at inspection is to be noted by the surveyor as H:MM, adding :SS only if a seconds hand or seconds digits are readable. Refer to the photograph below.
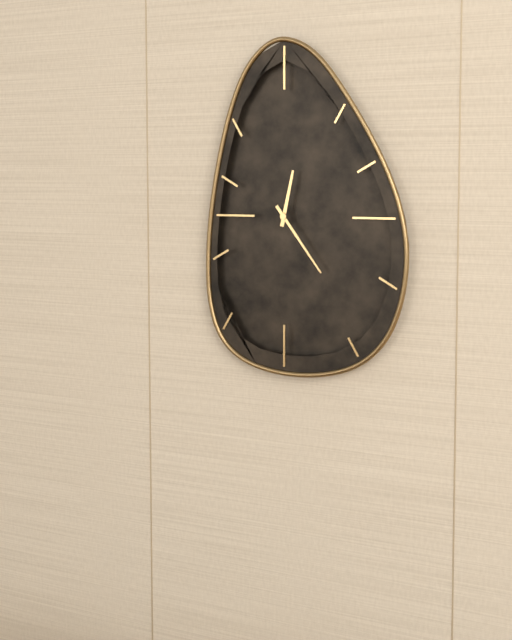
12:24
